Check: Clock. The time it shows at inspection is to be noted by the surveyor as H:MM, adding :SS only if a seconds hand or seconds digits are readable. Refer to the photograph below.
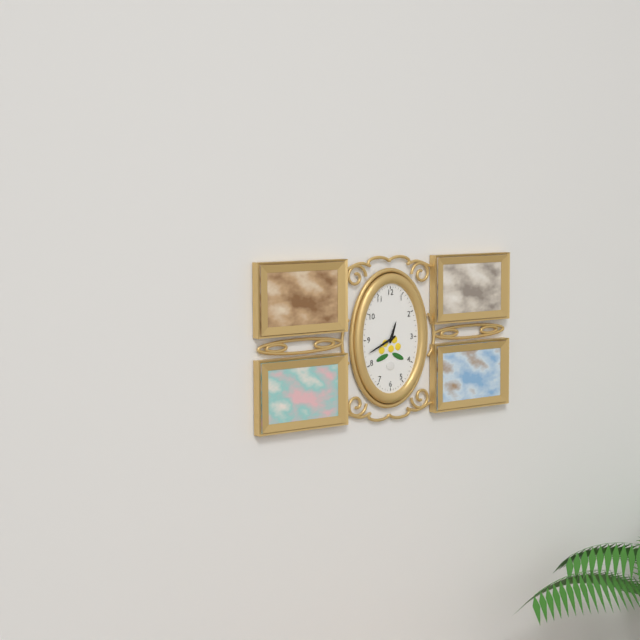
12:41
